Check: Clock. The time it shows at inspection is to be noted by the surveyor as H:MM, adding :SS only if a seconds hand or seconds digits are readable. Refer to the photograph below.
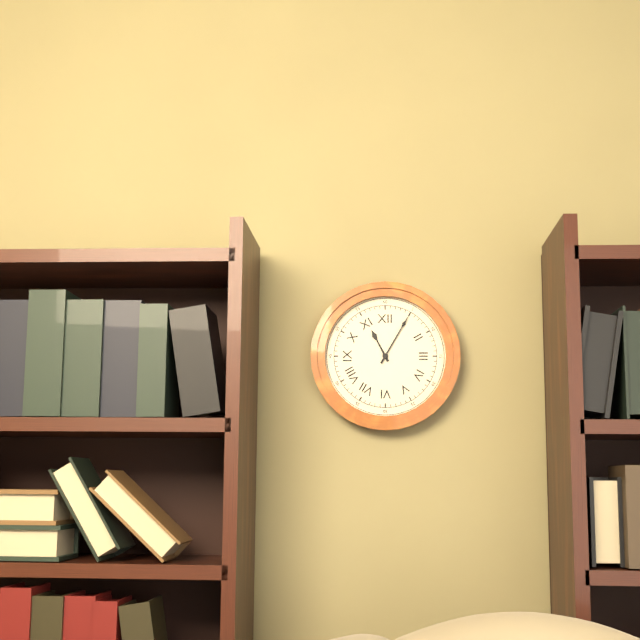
11:05
